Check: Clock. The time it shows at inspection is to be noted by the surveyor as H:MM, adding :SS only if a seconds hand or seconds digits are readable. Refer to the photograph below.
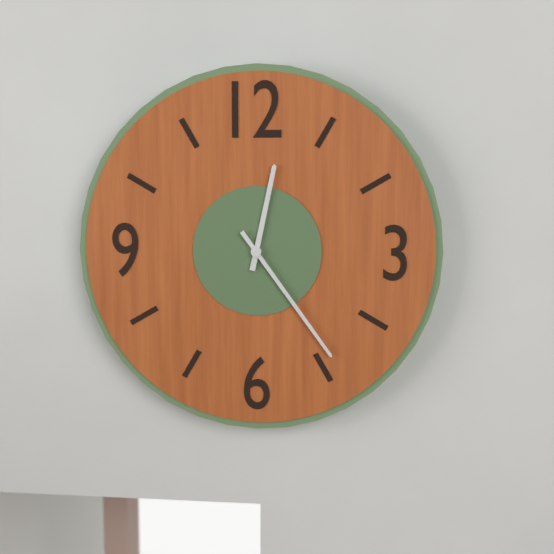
12:24
